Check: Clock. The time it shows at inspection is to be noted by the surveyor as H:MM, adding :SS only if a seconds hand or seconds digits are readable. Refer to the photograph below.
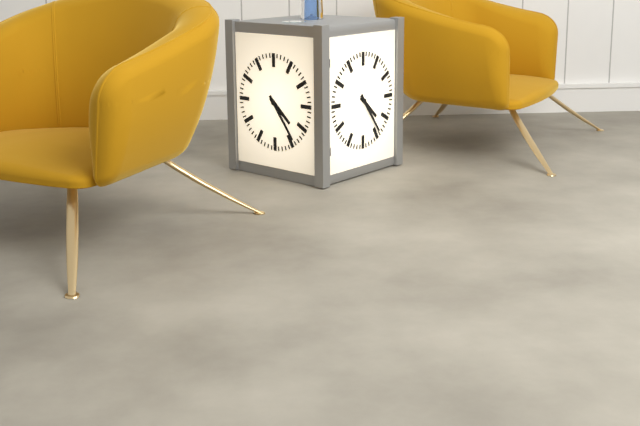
4:24
